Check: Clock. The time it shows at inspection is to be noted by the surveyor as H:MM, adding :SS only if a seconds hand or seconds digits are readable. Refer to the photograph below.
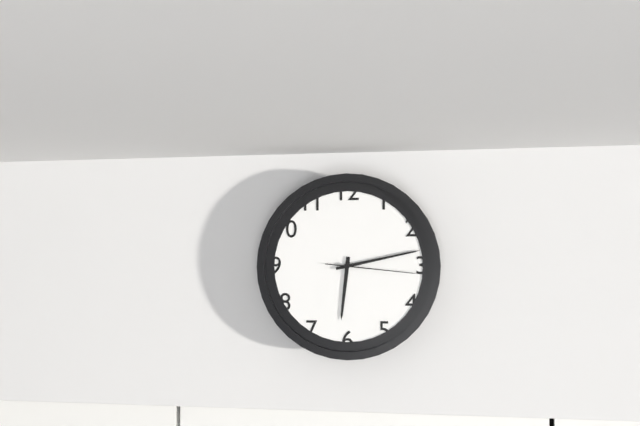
6:13:16
